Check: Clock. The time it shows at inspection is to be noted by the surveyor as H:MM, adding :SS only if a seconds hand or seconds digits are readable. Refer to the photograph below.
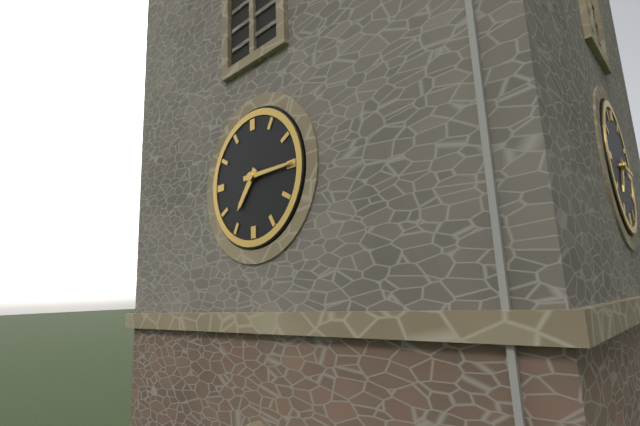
7:15
